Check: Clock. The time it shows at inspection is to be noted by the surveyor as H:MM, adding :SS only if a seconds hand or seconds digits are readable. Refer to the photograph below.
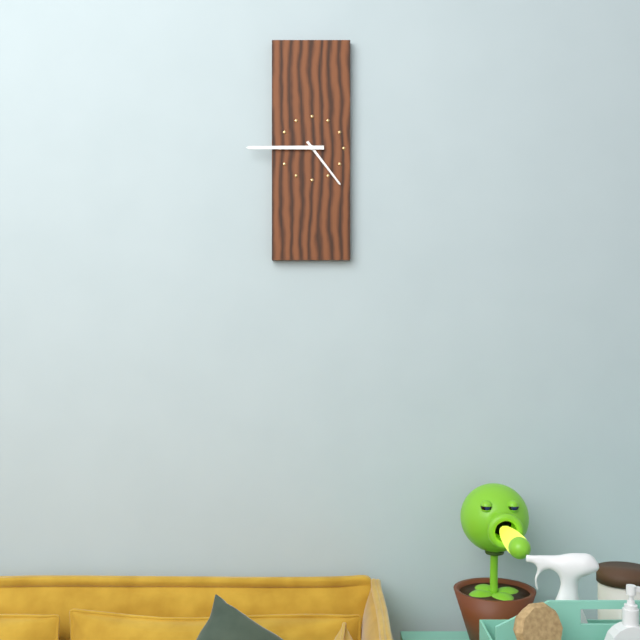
4:45
